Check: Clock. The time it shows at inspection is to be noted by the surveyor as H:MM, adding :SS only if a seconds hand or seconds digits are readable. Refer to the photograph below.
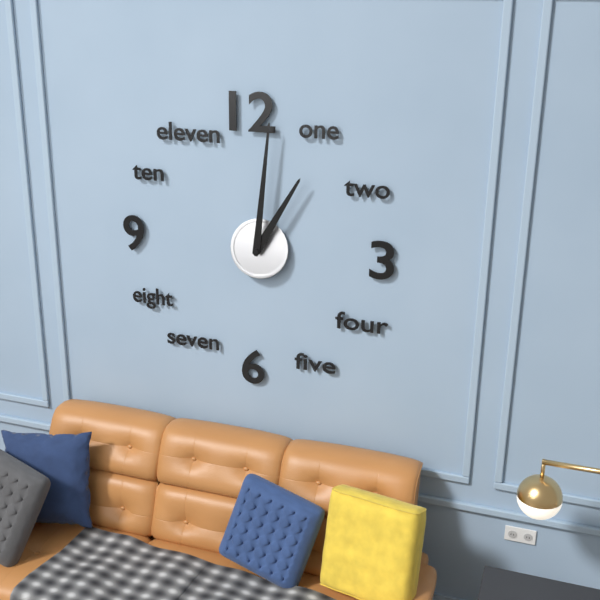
1:01
